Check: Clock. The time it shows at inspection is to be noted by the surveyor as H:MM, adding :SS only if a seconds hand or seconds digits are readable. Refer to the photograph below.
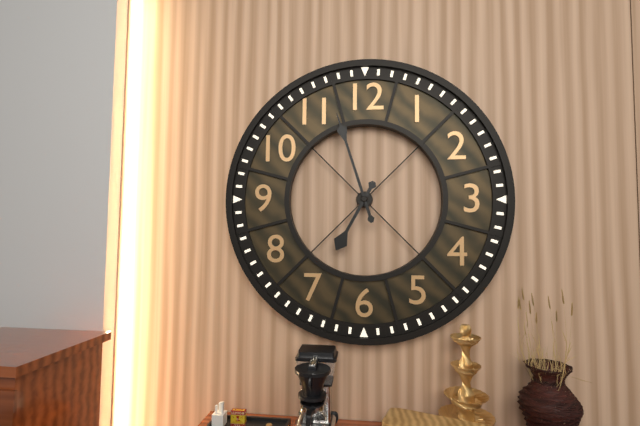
6:57
